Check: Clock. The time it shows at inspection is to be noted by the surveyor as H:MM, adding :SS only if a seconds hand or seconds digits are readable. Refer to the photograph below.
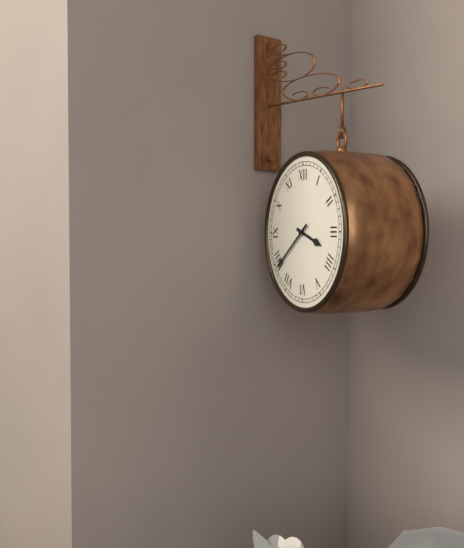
3:39
